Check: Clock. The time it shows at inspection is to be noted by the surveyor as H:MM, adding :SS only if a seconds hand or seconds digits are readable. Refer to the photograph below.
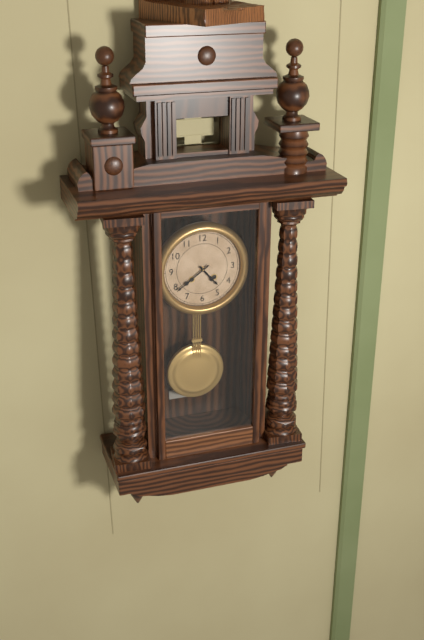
4:39
